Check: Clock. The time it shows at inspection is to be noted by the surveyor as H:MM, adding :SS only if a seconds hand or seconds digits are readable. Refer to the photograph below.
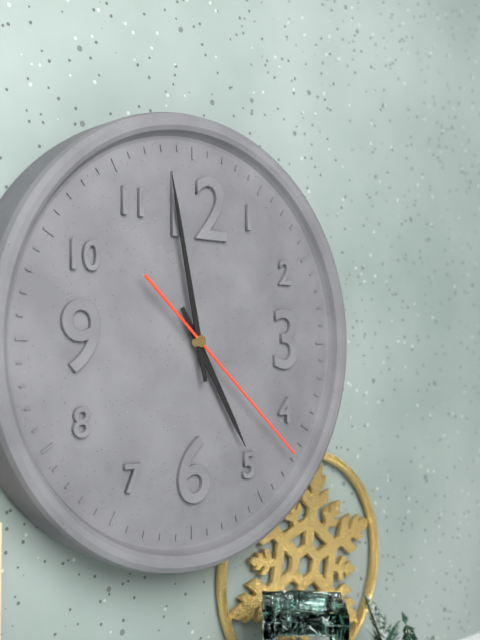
4:58:22
